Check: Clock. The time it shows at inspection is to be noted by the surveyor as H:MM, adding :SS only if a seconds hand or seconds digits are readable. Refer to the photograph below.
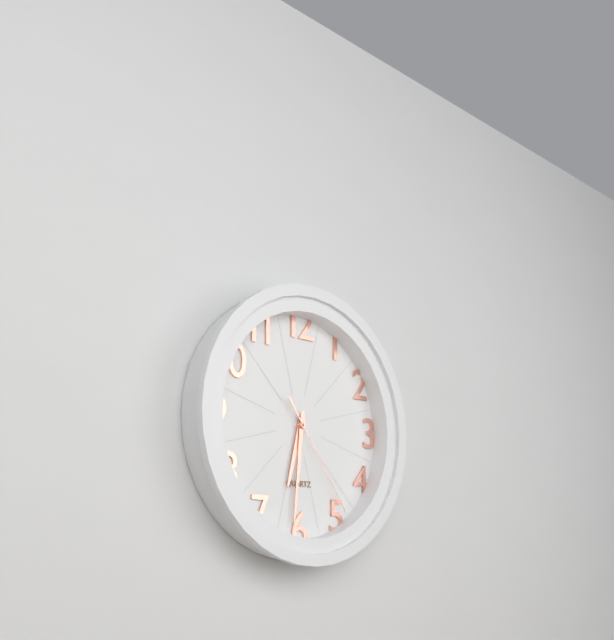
6:31:24
